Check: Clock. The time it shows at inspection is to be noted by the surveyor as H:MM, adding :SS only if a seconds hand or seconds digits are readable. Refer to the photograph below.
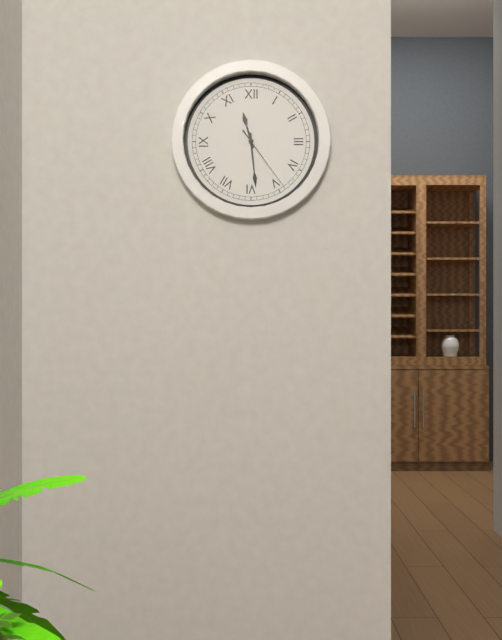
11:29:24
